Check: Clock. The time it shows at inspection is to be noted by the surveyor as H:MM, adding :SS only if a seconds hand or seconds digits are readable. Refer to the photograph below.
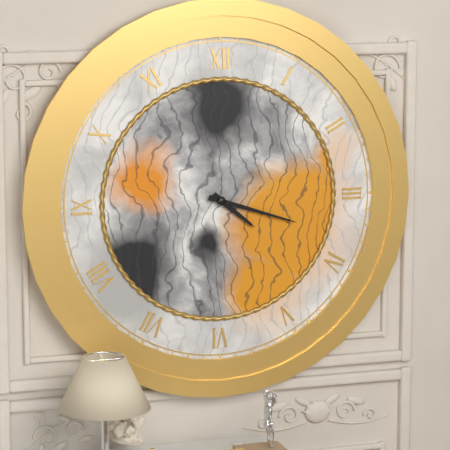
4:18
